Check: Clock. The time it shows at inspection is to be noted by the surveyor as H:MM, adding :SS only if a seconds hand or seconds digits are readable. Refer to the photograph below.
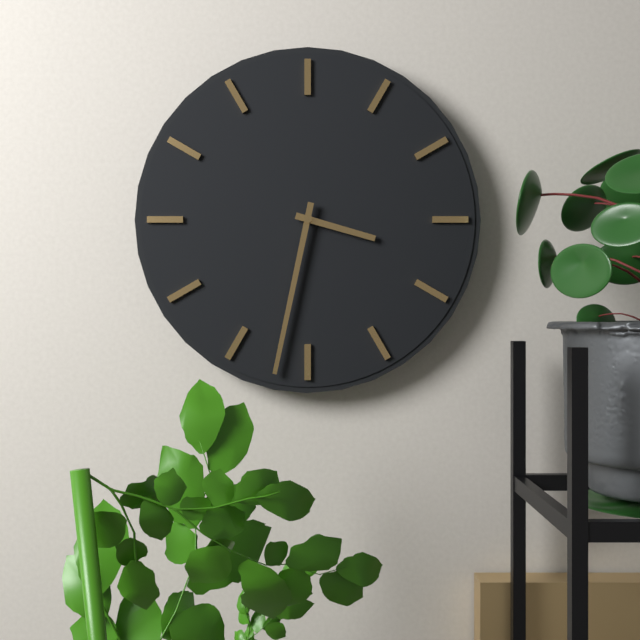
3:32
